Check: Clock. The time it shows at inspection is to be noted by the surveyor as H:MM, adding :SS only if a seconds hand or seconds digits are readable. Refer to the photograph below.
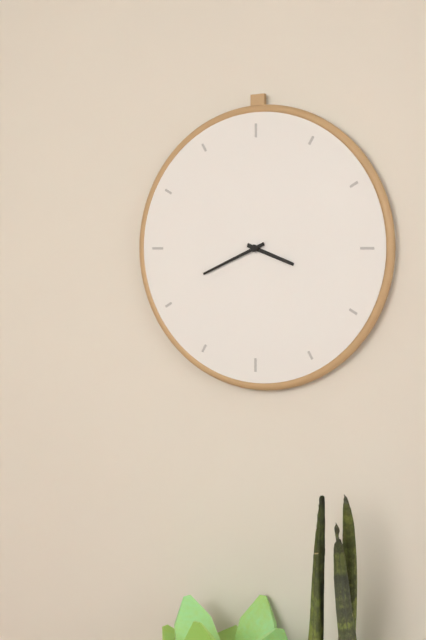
3:41
